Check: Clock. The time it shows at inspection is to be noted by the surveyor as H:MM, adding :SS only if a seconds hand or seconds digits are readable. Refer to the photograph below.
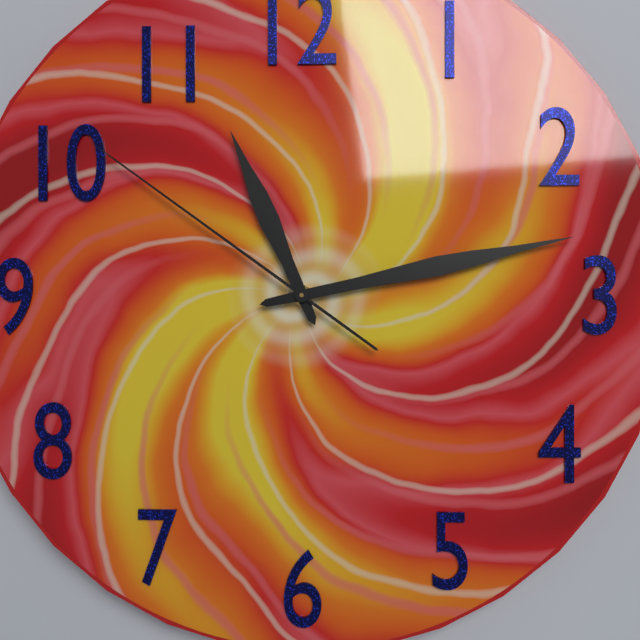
11:13:51
